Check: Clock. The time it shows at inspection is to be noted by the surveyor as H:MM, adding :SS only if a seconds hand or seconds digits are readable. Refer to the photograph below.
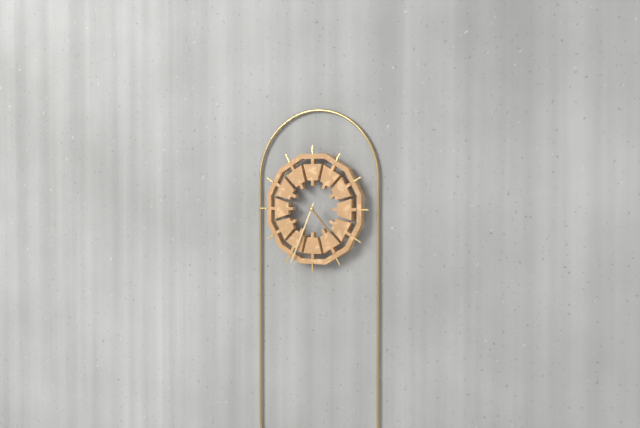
4:34
